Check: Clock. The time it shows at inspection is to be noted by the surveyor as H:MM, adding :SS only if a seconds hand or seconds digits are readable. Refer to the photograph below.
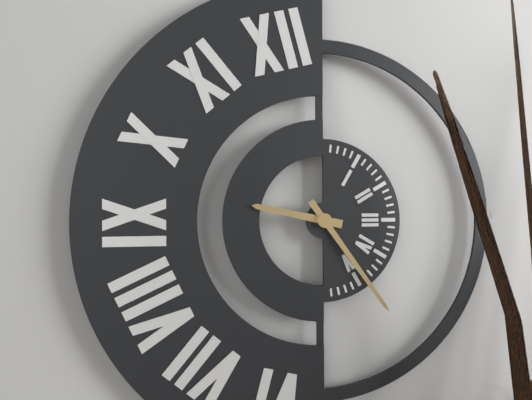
9:24
